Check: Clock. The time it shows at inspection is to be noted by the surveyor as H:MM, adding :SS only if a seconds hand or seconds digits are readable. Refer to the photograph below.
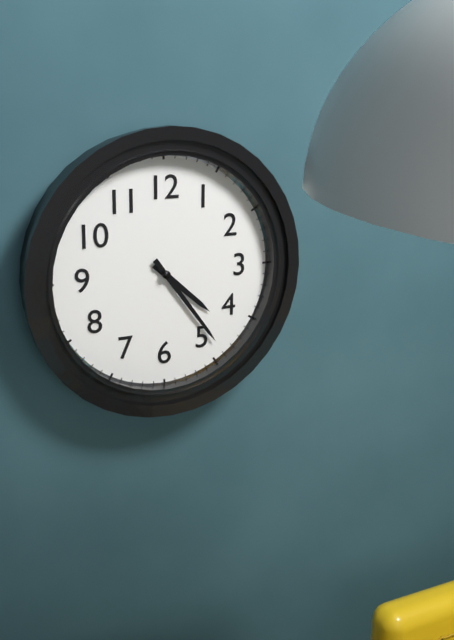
4:24
